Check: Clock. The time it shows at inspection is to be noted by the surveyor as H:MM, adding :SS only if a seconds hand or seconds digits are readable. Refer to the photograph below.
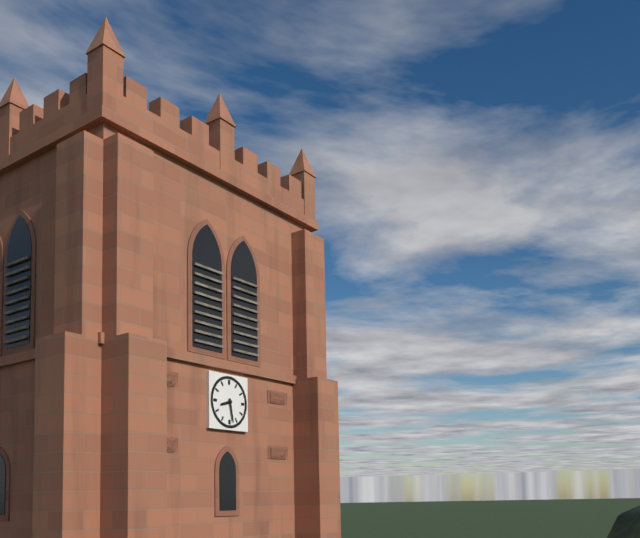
8:28
